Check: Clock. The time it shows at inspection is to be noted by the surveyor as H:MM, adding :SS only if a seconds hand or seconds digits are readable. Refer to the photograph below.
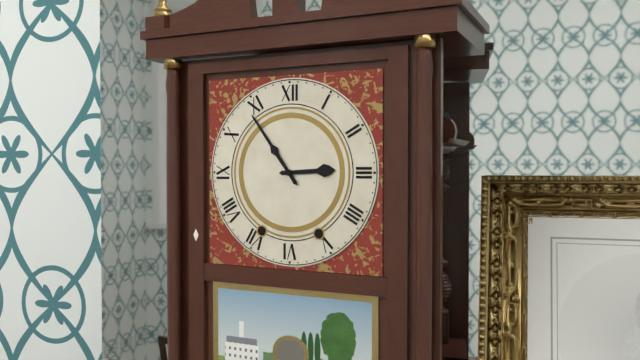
2:54
